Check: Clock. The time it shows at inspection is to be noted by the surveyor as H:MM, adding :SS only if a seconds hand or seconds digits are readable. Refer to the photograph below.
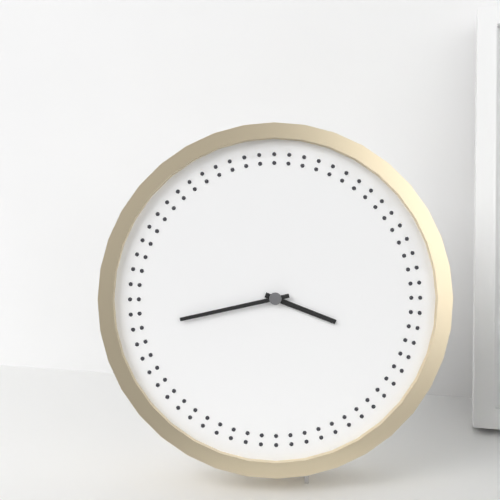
3:43
